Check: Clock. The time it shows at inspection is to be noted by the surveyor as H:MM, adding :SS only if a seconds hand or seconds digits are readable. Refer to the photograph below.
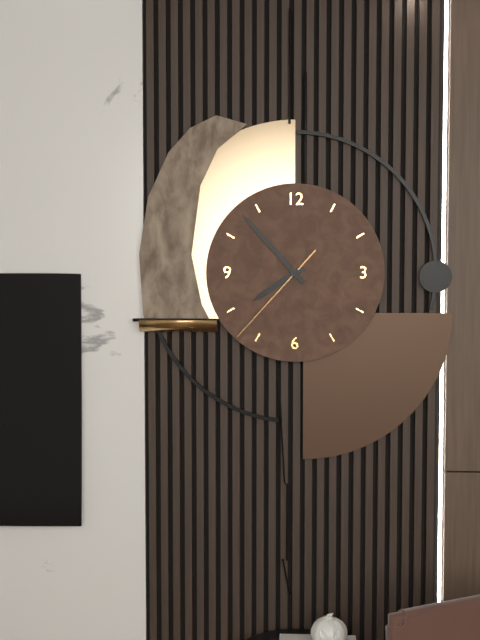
7:53:37
